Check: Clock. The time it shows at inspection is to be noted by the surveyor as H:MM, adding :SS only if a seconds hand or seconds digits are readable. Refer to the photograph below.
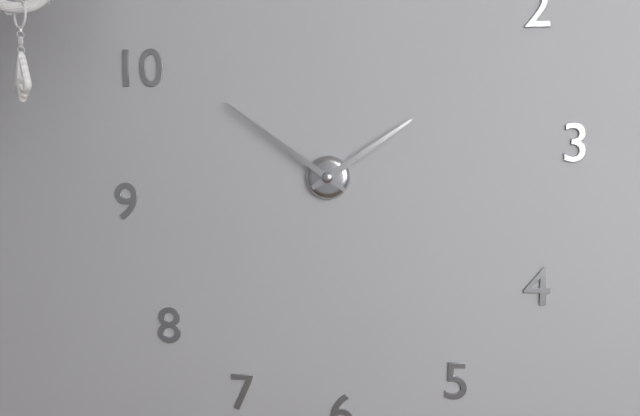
1:51
